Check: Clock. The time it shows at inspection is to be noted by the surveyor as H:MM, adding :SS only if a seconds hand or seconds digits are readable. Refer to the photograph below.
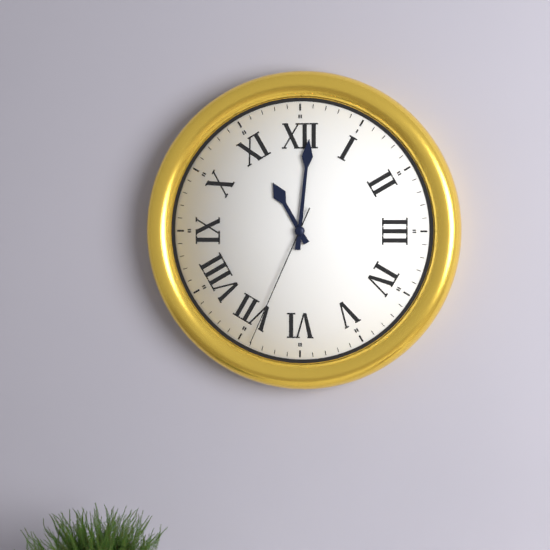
11:01:34
